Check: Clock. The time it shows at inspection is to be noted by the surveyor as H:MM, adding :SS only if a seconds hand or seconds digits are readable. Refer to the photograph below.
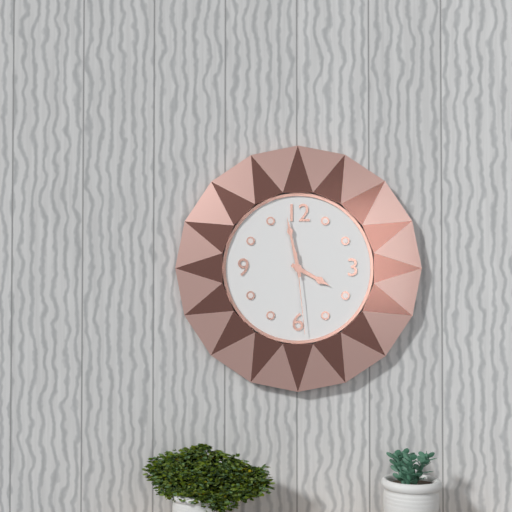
3:58:29
